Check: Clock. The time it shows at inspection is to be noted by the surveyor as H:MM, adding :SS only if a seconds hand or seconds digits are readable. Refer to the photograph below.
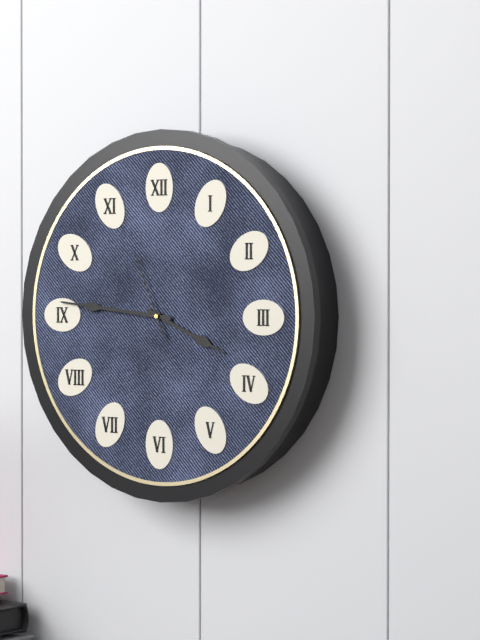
3:46:56
